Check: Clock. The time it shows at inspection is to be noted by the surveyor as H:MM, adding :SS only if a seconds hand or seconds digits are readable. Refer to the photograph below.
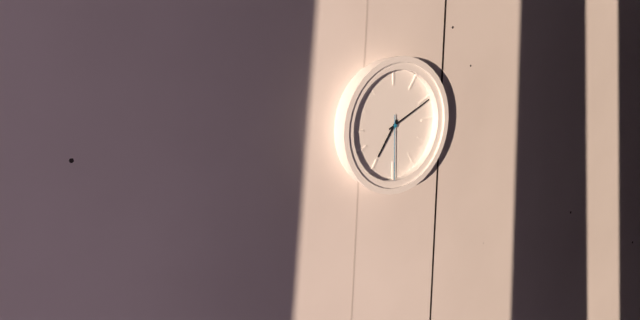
7:11:30
